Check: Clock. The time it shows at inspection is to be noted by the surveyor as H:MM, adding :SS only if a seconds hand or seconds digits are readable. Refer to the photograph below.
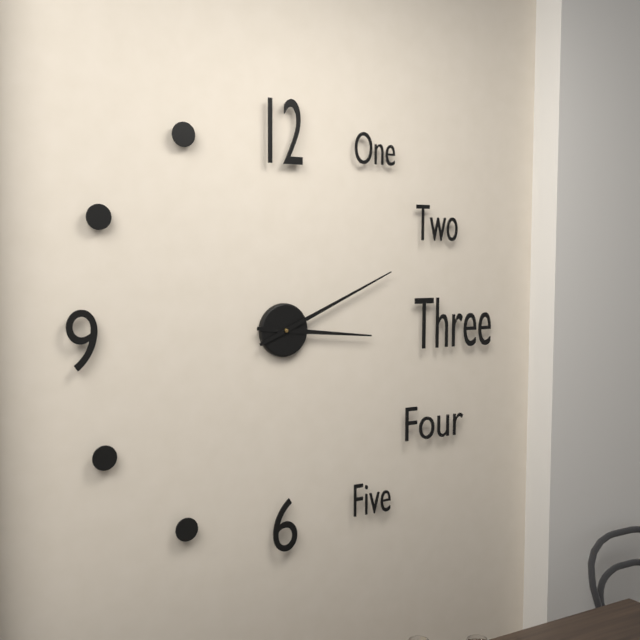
3:11
